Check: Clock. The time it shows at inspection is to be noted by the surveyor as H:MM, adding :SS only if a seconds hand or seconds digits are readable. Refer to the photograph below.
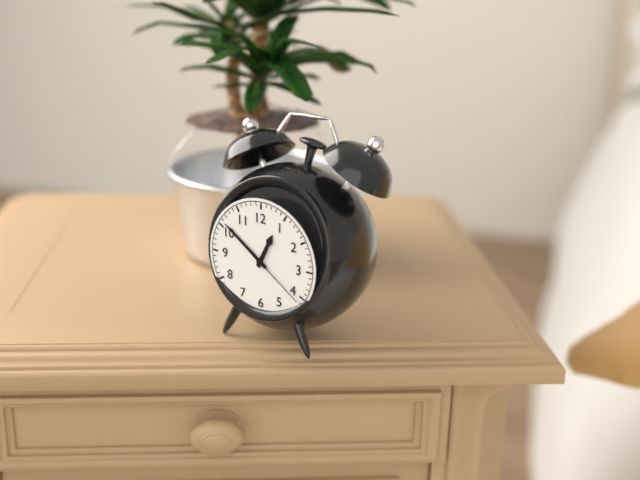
12:51:21
